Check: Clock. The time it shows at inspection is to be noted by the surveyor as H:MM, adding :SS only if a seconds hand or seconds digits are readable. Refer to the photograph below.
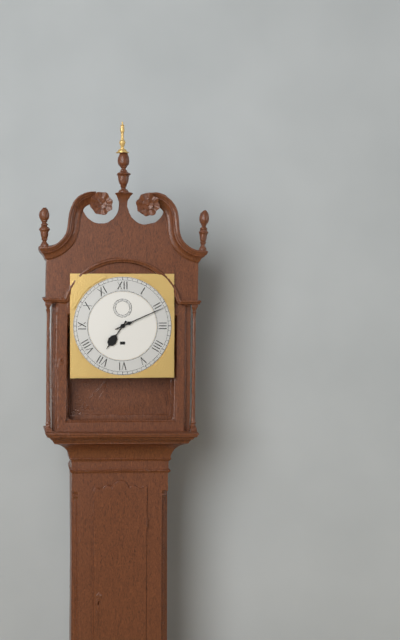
7:11
